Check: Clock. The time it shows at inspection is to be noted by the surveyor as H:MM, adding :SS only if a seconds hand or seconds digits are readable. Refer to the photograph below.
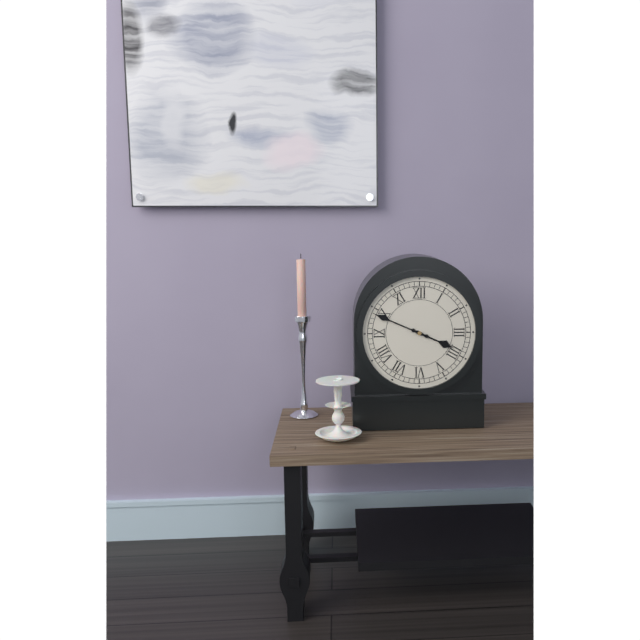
3:49
